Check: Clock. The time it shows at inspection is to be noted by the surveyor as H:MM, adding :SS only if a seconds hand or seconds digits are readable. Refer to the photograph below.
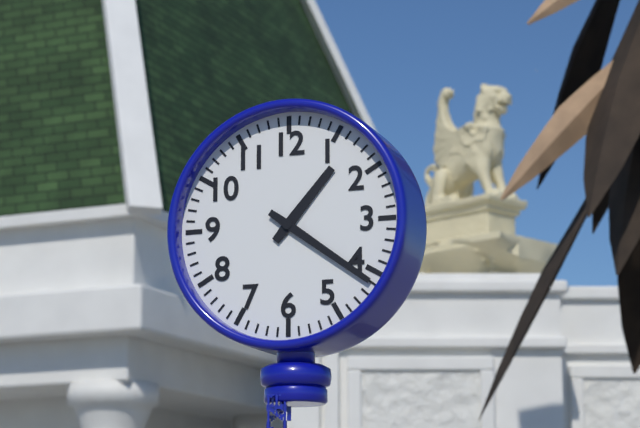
1:21
